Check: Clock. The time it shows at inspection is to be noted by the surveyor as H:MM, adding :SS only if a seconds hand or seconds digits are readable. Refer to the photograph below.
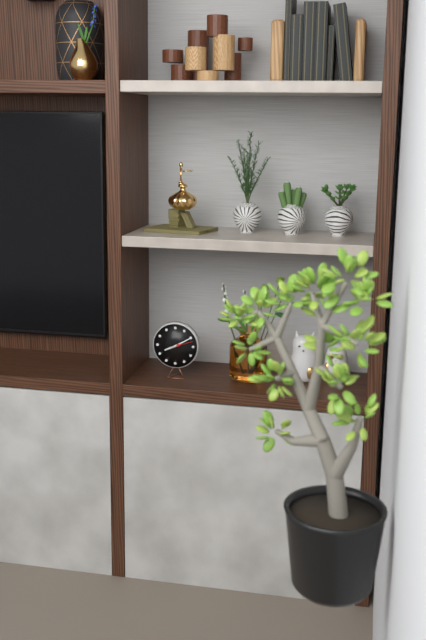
8:10
